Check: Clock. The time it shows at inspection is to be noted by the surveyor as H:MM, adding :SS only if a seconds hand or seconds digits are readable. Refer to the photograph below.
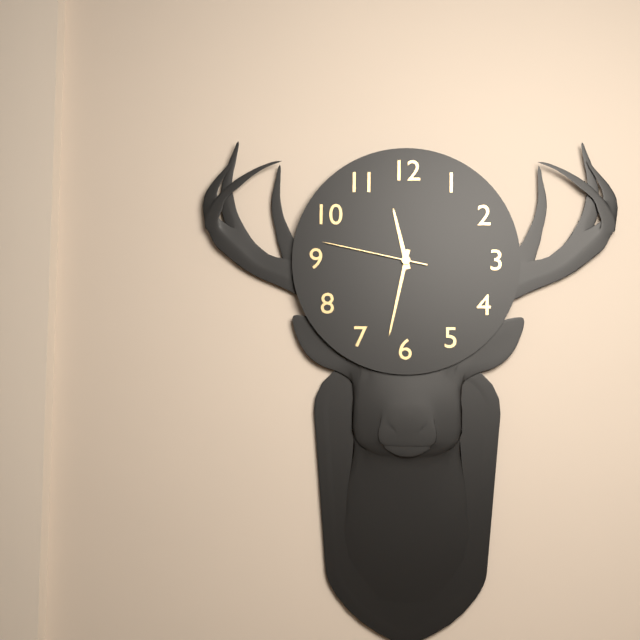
11:32:47
